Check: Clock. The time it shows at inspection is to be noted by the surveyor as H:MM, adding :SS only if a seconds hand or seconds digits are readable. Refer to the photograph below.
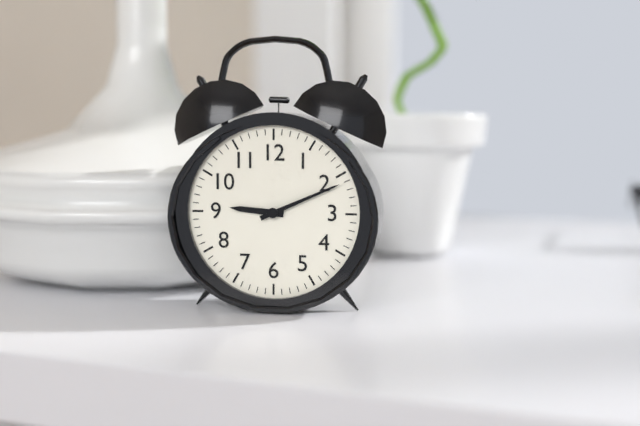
9:11
